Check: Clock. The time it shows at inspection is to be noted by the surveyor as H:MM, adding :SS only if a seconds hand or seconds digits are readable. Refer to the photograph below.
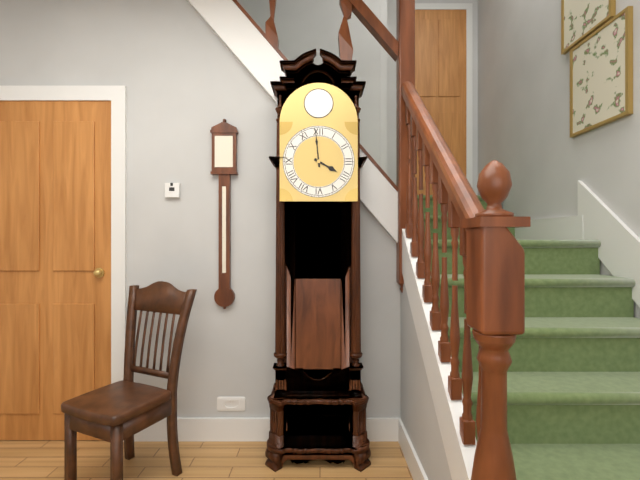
3:59
